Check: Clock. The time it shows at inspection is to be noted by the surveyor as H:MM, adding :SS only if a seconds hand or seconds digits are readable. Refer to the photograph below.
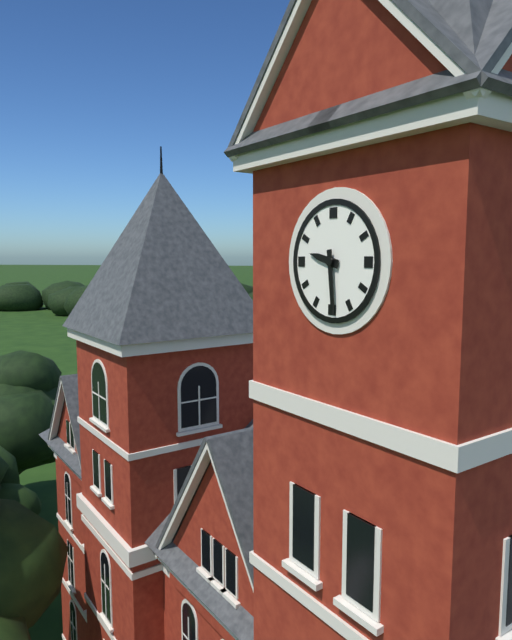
9:29
